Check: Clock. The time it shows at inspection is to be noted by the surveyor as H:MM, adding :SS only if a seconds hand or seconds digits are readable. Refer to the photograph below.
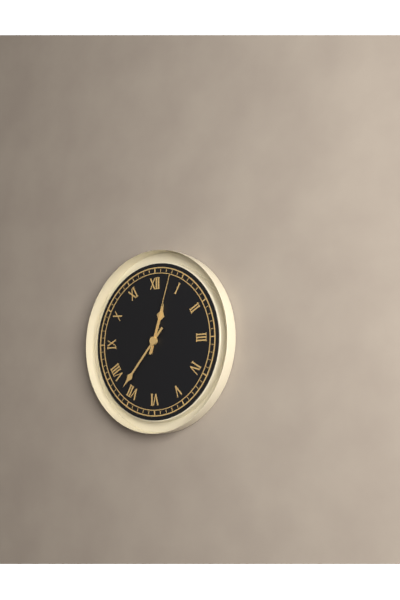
12:37:03
